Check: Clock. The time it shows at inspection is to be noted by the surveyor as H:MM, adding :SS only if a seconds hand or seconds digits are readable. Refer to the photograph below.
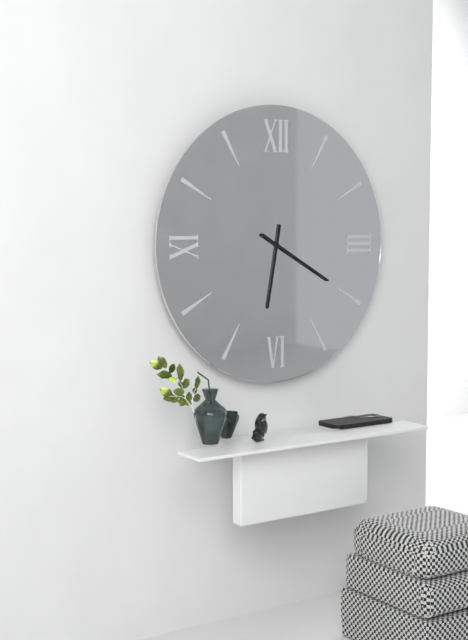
6:20
